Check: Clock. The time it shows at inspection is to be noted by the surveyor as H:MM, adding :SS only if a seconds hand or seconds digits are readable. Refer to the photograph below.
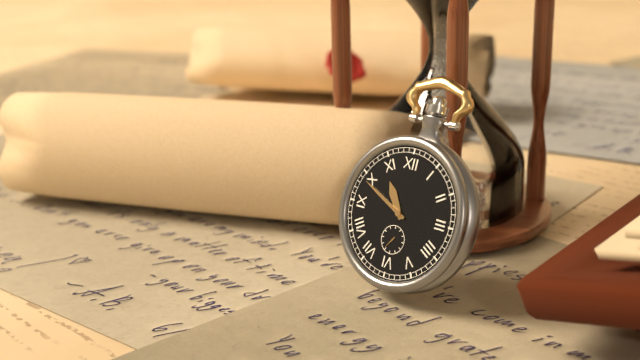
10:49
